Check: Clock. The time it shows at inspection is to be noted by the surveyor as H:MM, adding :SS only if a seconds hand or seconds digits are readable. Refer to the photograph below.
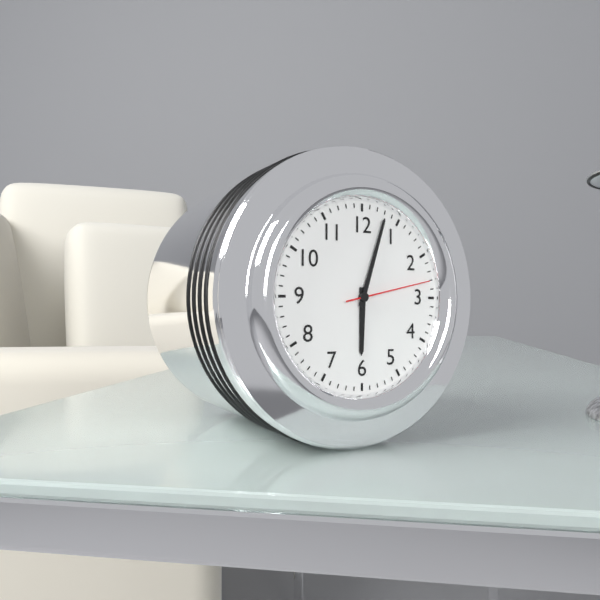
6:03:13
